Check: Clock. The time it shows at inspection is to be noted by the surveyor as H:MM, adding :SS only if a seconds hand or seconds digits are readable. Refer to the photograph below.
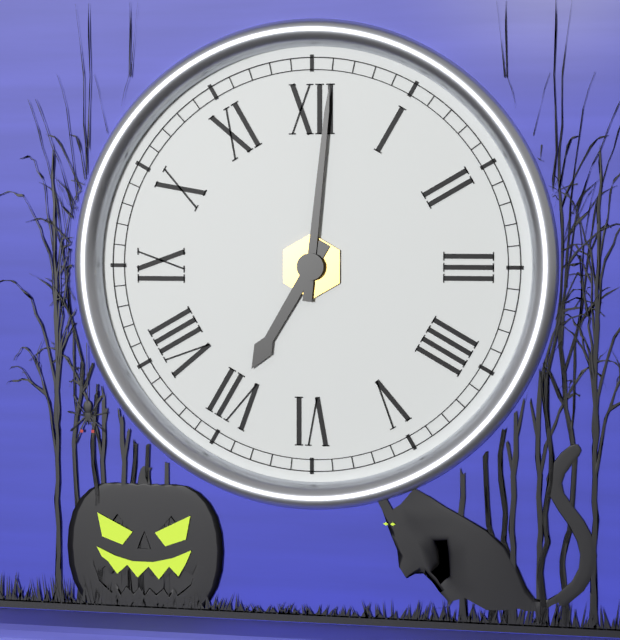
7:01
